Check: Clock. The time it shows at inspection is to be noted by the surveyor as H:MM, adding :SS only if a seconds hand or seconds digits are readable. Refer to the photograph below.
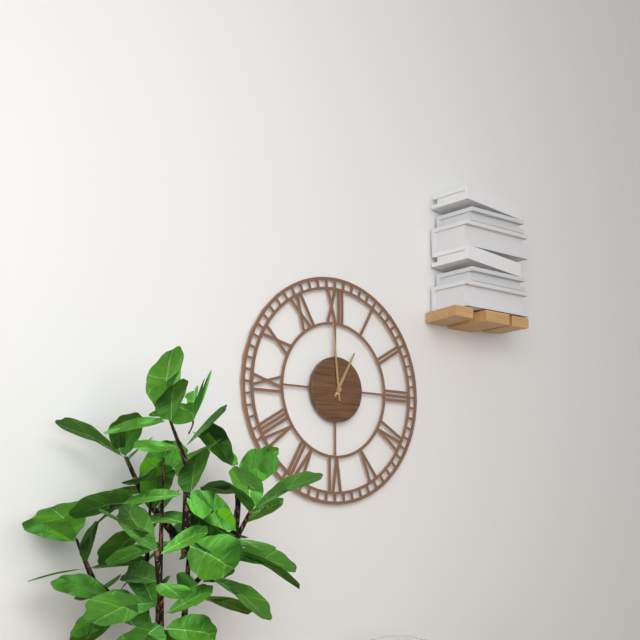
12:59
